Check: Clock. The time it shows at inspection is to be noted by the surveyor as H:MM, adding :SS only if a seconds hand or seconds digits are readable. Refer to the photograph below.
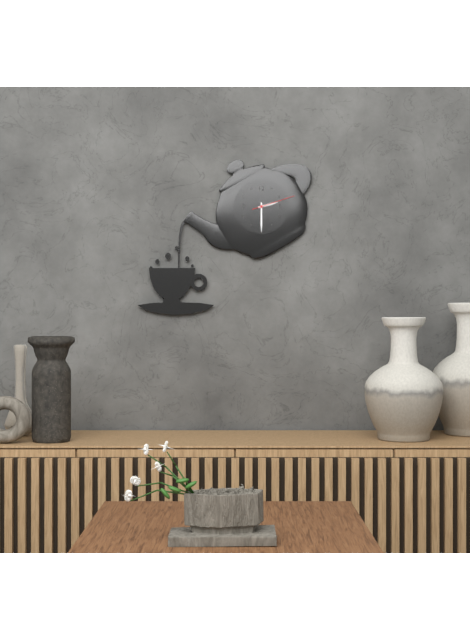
2:30
